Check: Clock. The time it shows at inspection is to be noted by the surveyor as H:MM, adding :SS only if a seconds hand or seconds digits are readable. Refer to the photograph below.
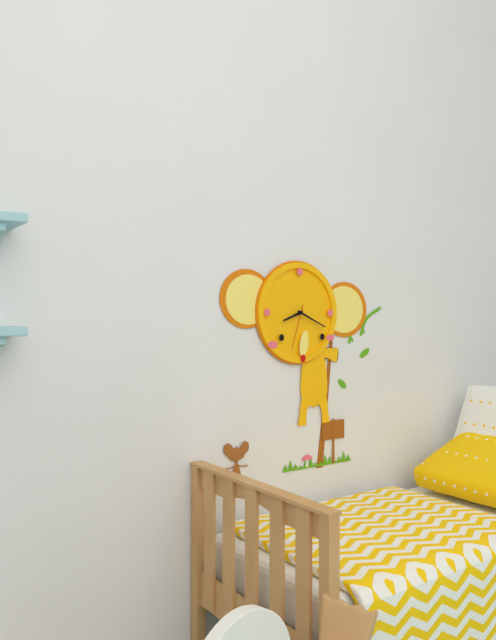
8:19
